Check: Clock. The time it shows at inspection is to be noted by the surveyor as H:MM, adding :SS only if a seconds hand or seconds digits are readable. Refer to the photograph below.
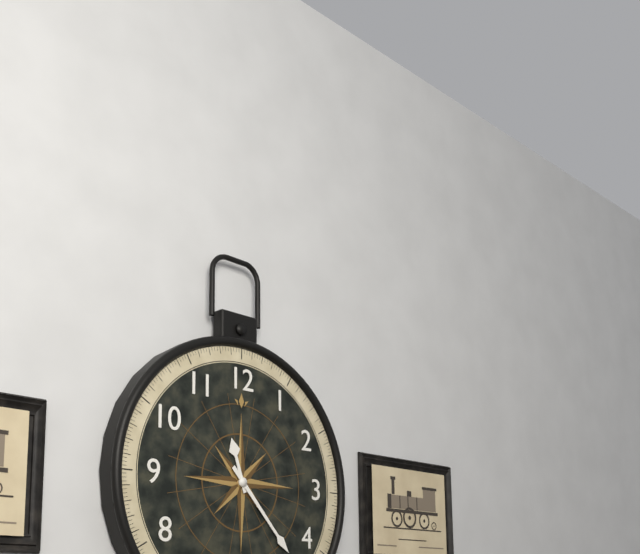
11:23
